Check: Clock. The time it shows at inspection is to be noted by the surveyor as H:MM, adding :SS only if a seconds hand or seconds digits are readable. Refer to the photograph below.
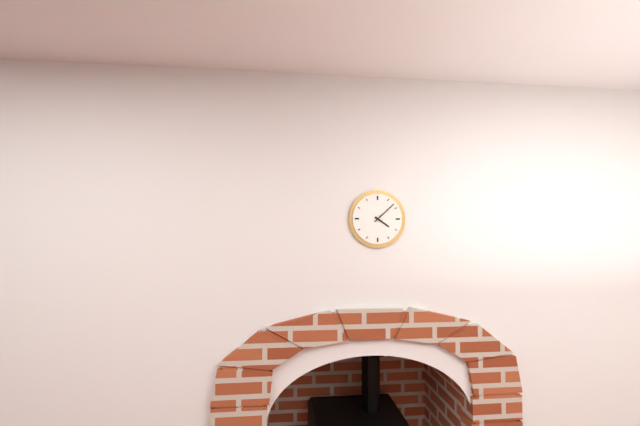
4:08
